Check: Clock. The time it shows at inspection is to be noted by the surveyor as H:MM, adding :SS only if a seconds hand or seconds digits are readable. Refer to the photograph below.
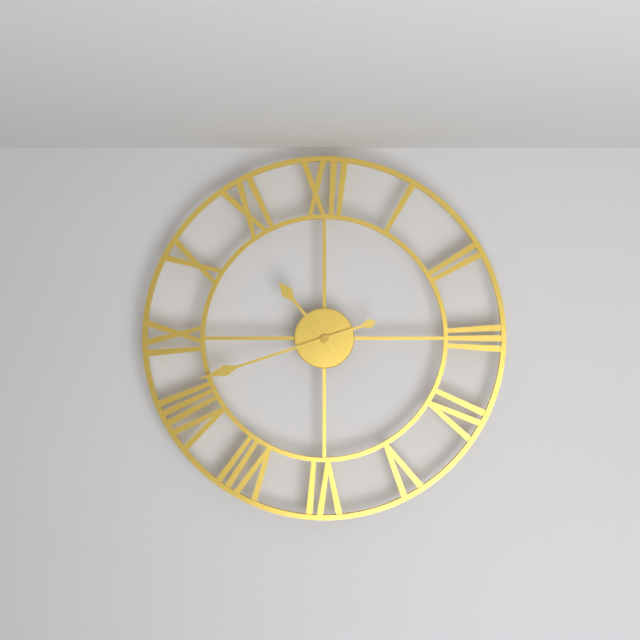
10:42
